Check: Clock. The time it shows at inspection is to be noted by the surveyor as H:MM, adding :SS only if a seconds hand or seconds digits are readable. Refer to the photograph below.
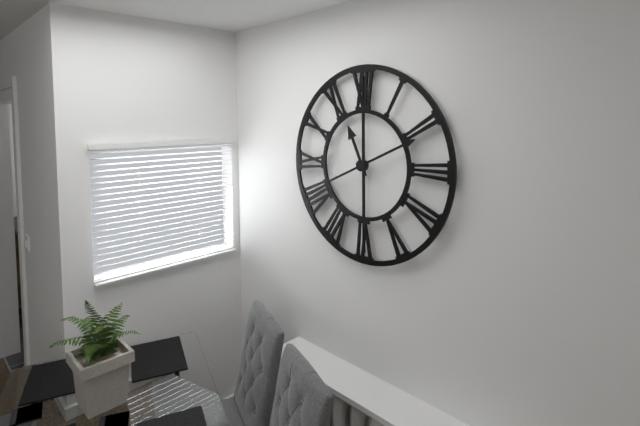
11:11
